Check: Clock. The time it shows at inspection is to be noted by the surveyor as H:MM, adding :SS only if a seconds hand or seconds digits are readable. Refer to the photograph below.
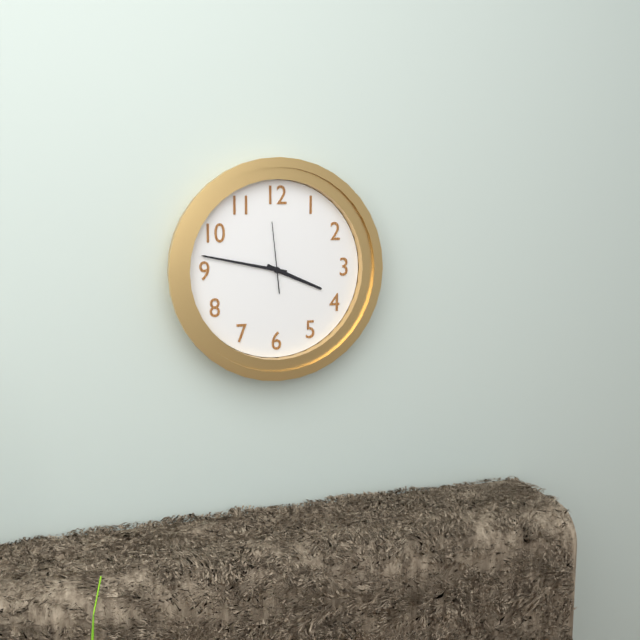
3:47:59
